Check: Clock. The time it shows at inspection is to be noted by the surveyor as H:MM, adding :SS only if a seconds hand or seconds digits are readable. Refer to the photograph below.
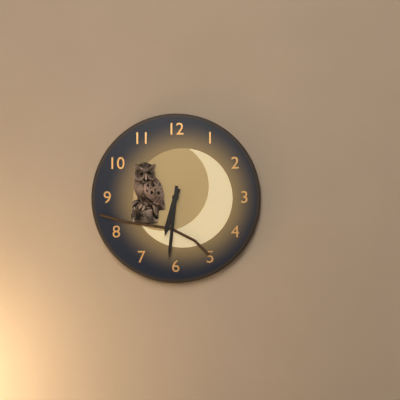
6:31
